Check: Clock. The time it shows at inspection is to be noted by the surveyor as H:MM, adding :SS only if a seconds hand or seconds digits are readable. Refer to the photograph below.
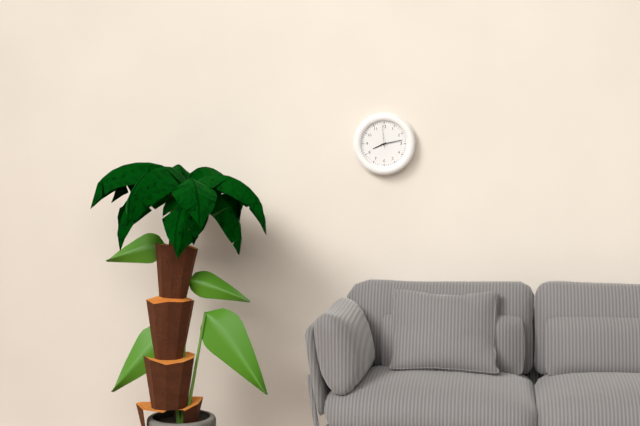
8:13
